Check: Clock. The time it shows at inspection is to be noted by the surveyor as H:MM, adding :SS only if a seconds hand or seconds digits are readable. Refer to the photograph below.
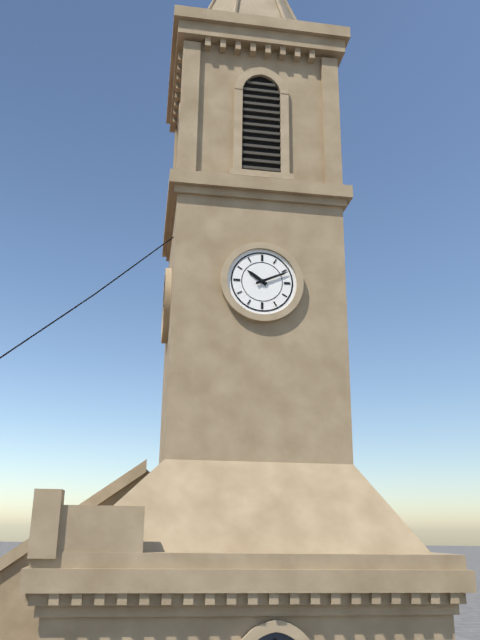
10:11
